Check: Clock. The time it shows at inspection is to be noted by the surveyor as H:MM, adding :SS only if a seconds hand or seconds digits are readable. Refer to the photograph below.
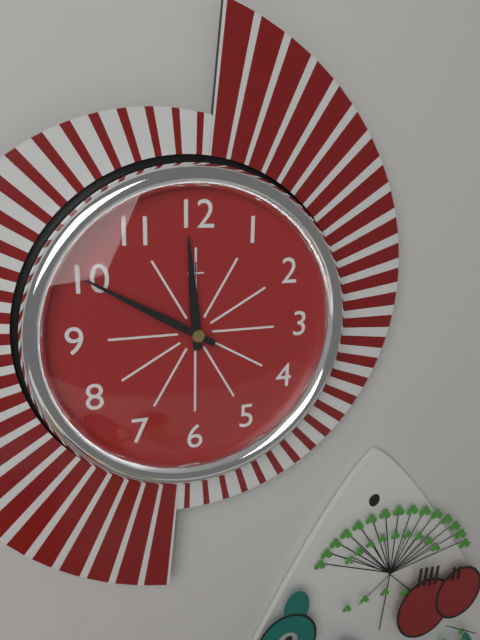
11:50
